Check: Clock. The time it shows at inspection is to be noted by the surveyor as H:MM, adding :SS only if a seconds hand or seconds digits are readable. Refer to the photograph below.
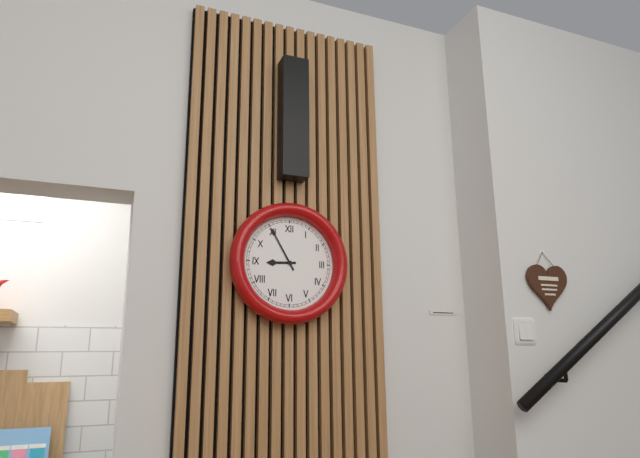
8:55
